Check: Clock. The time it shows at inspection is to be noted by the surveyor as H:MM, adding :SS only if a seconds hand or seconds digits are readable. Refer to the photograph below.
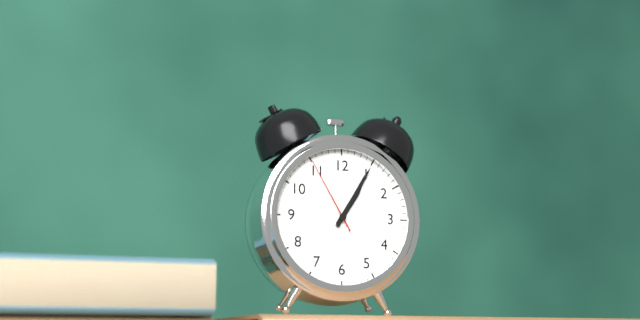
1:05:55
